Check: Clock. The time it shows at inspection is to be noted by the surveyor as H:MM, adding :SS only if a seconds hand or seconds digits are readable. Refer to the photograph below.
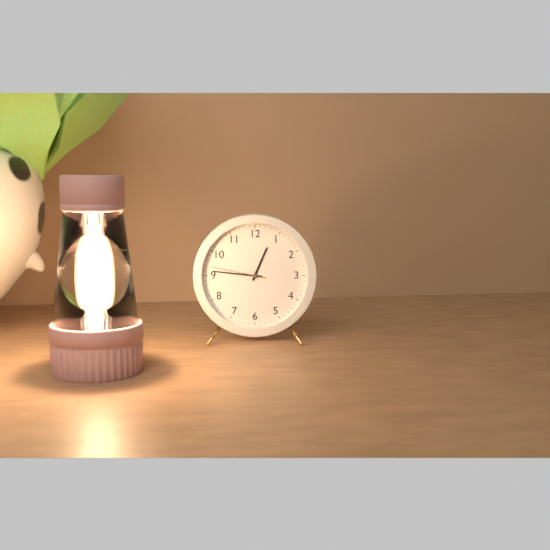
12:46:47
